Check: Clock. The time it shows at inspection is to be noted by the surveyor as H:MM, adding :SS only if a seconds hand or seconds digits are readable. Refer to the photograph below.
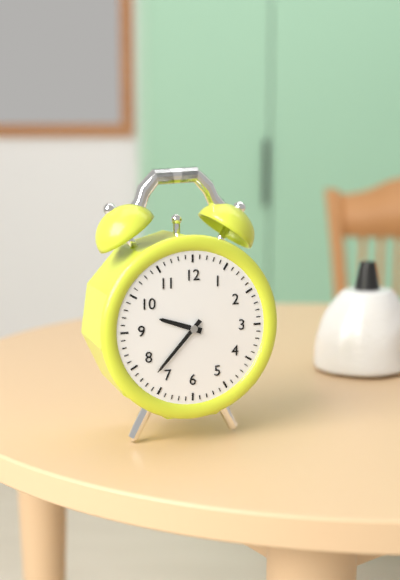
9:37
